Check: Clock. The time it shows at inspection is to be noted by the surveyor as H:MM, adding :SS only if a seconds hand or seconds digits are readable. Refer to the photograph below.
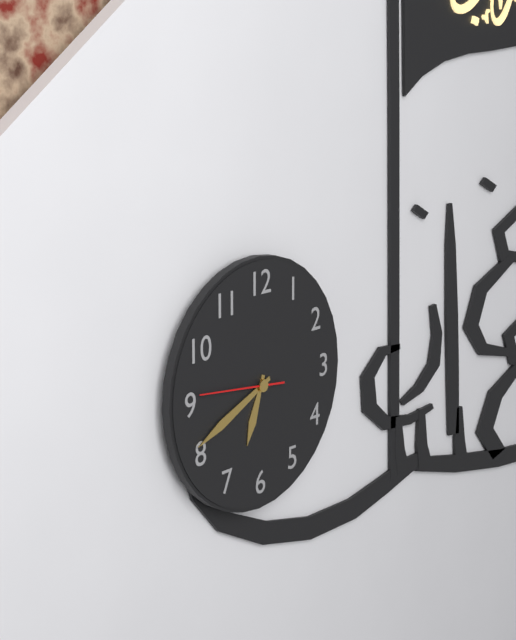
6:41:46
